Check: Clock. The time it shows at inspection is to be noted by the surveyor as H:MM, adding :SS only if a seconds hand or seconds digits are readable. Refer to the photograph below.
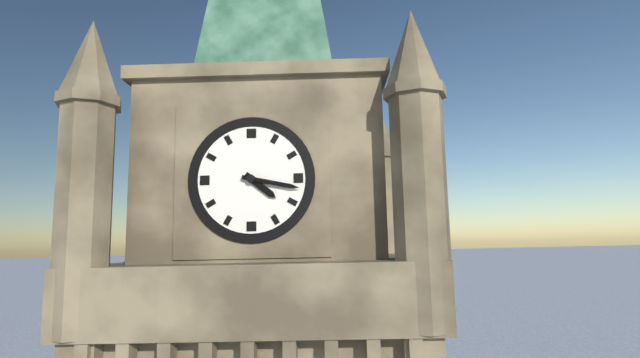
4:17
